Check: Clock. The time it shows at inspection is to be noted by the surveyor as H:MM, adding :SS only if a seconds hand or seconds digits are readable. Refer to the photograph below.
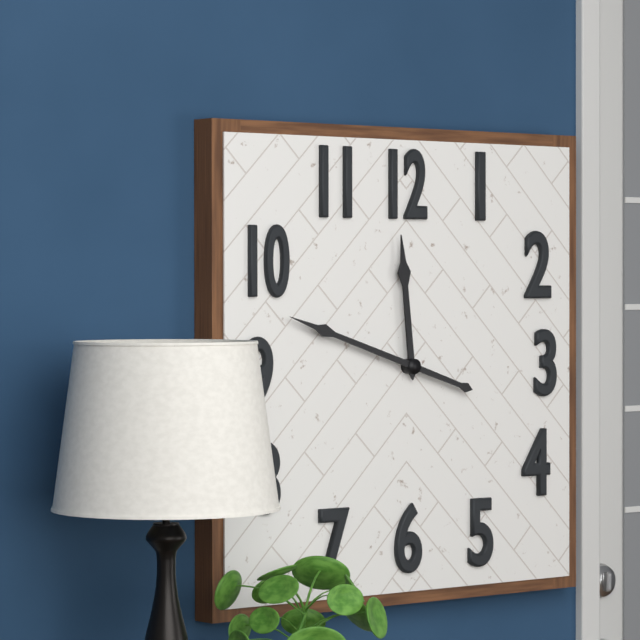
11:48
